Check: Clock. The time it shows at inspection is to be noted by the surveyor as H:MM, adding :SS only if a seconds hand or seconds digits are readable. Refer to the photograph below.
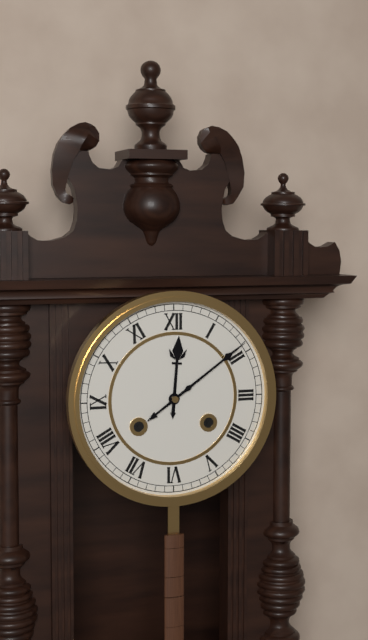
12:09
